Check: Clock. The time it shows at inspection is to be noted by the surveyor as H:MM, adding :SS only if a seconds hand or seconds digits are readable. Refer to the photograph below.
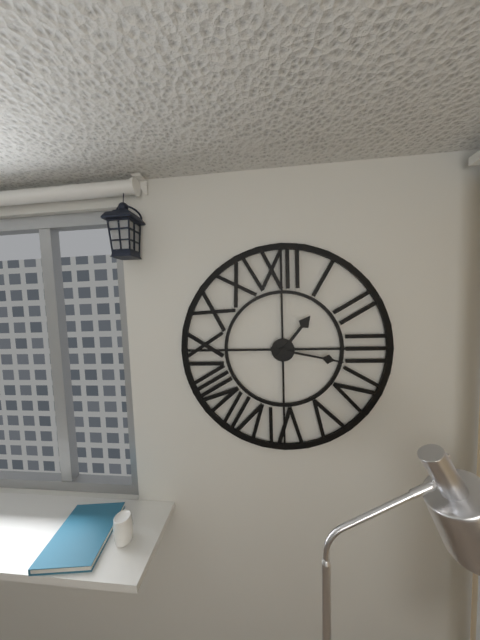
1:17
